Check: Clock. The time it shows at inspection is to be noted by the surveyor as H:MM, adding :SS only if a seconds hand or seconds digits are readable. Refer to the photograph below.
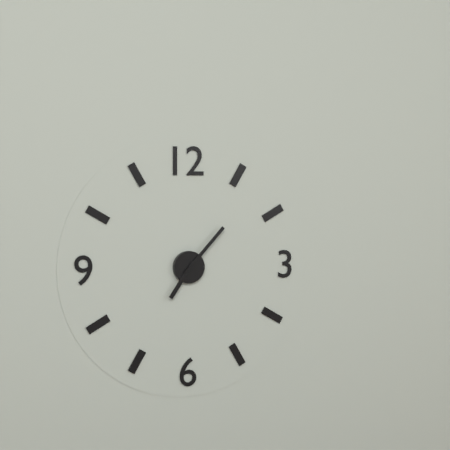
7:07
